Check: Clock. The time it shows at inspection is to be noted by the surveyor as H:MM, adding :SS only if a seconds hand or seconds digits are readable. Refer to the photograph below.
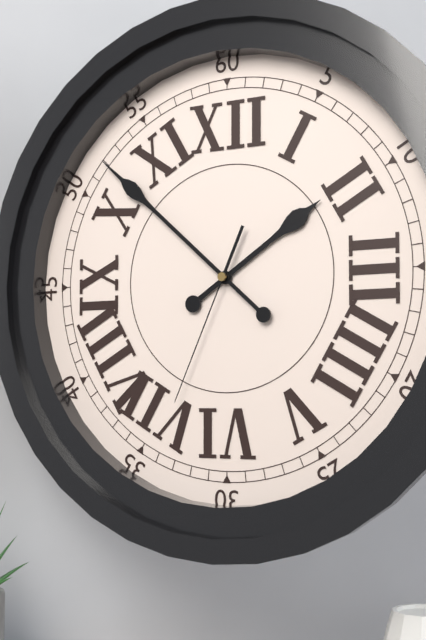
1:52:34
